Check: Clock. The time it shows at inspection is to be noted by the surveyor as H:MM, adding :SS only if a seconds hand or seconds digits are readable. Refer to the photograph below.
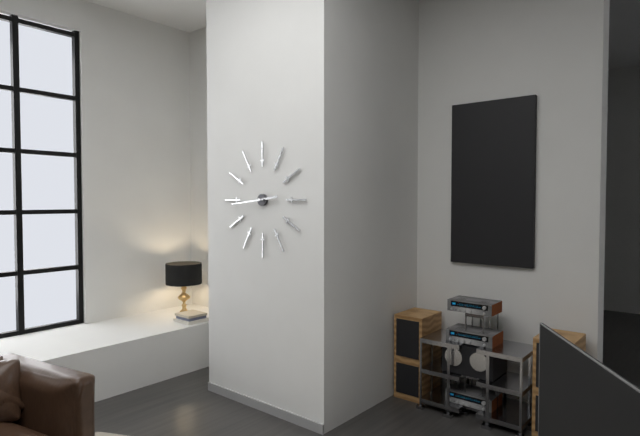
2:44
